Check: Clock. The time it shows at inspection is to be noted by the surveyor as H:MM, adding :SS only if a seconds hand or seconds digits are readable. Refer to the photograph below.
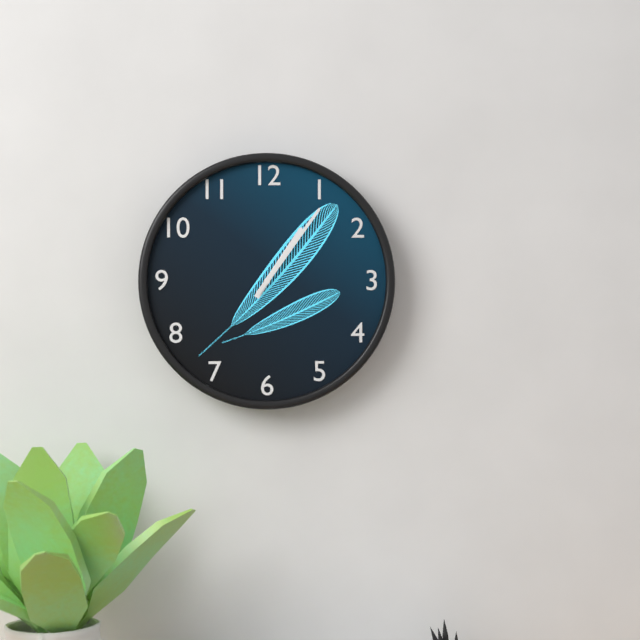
1:06
